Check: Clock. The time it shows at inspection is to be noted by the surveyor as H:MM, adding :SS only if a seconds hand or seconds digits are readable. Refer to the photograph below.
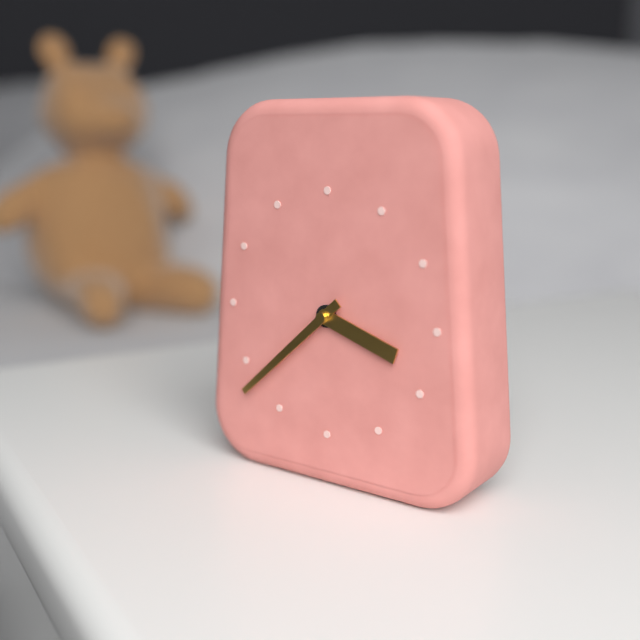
3:38
